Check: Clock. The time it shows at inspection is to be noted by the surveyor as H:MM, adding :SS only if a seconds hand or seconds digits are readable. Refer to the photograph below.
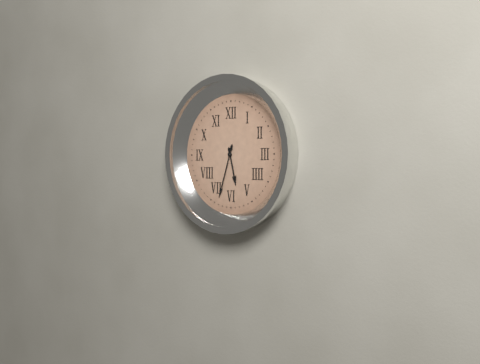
5:33
